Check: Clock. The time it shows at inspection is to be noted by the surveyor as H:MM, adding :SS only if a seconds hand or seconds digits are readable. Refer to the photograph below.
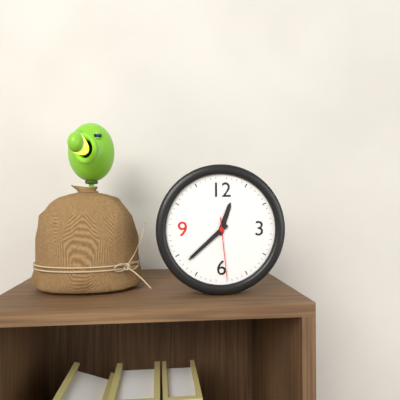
12:38:29
